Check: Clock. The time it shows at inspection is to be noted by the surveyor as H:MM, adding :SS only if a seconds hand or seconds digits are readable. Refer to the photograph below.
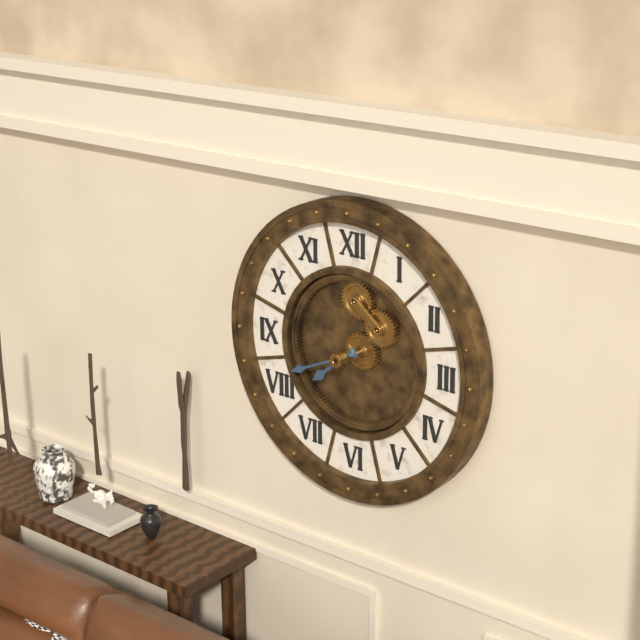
7:41
